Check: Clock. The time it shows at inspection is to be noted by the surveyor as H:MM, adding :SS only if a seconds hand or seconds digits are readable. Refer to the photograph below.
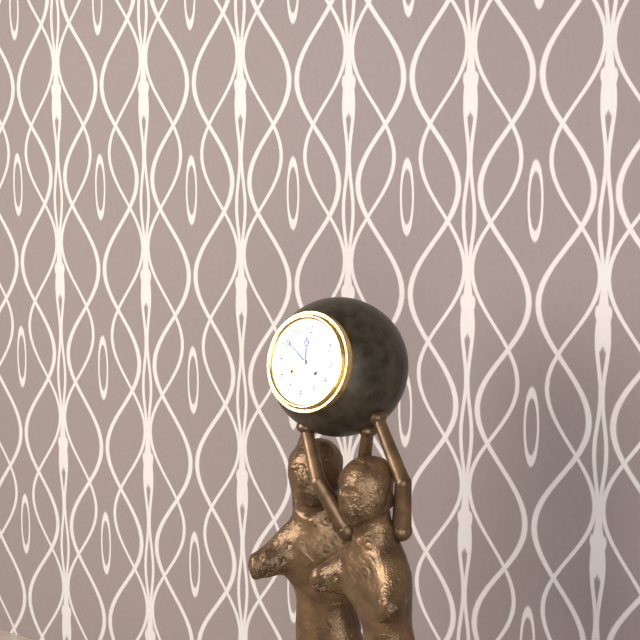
11:51
